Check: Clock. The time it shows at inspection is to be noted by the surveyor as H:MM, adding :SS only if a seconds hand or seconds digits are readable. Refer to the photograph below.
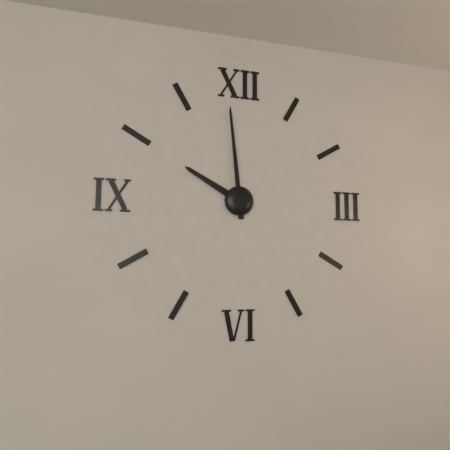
9:59
